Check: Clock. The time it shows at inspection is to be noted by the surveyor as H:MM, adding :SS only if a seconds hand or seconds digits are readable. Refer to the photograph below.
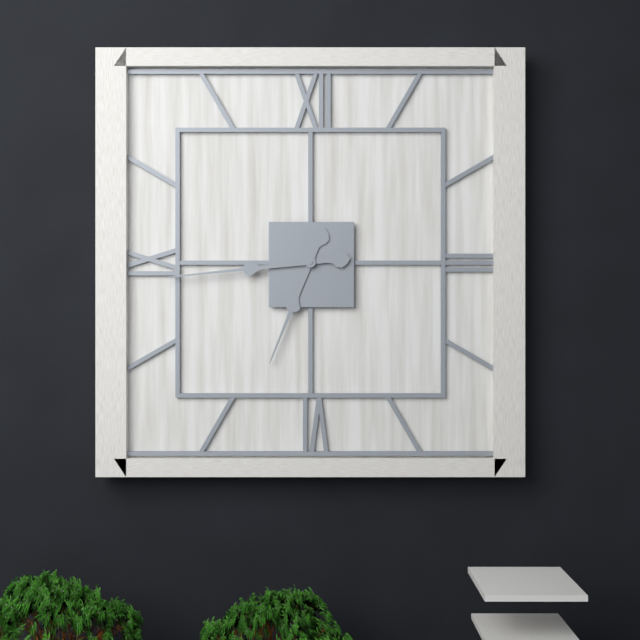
6:44
